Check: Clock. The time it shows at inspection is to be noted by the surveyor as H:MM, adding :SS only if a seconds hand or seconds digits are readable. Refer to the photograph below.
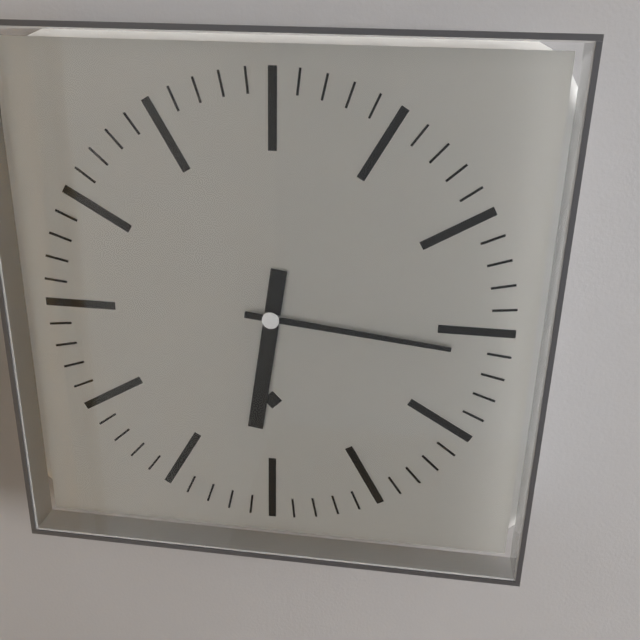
6:16
